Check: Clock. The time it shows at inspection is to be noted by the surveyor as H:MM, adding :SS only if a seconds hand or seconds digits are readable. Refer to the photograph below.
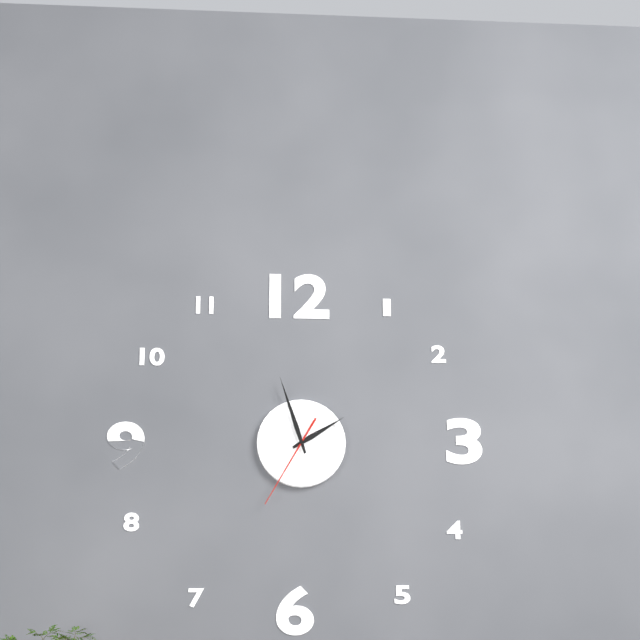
1:57:35
